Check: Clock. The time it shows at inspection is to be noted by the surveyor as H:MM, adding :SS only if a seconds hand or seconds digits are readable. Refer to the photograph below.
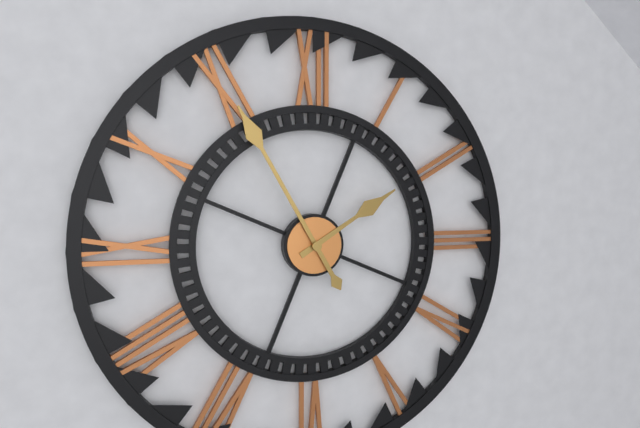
1:55
